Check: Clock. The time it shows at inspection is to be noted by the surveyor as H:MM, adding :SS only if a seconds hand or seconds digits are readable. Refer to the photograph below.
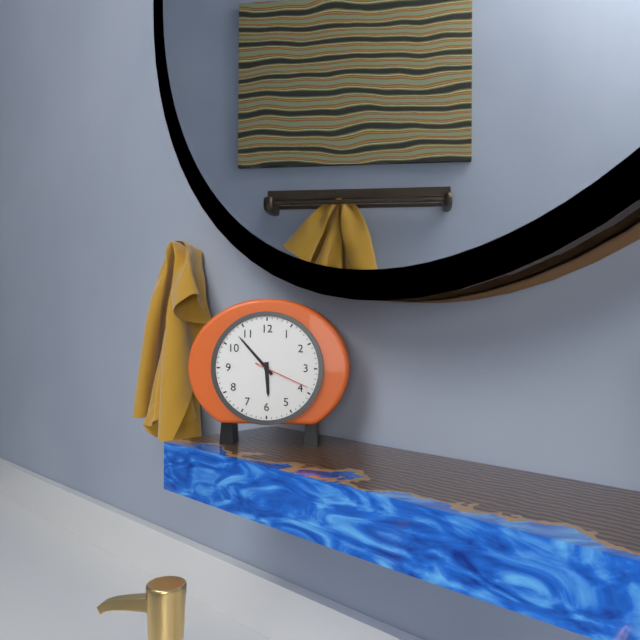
5:53:19
